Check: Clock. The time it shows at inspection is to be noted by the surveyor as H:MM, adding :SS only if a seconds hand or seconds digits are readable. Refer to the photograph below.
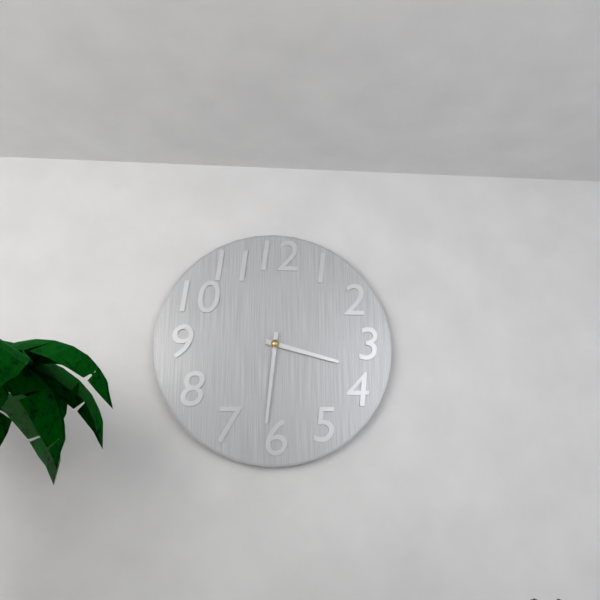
3:31
